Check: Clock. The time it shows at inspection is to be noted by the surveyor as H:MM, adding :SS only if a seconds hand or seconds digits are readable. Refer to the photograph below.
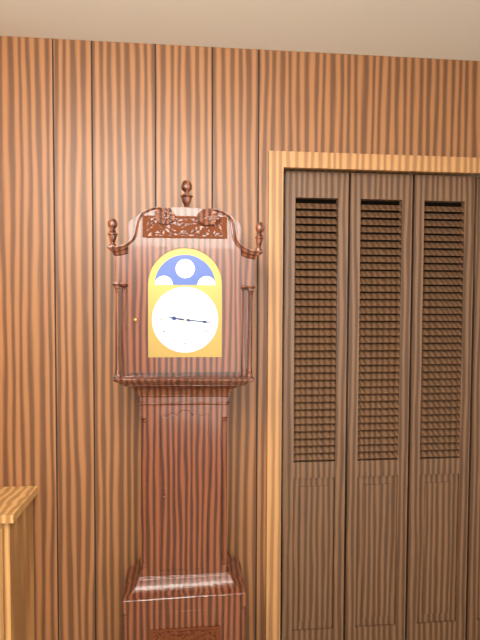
9:16
